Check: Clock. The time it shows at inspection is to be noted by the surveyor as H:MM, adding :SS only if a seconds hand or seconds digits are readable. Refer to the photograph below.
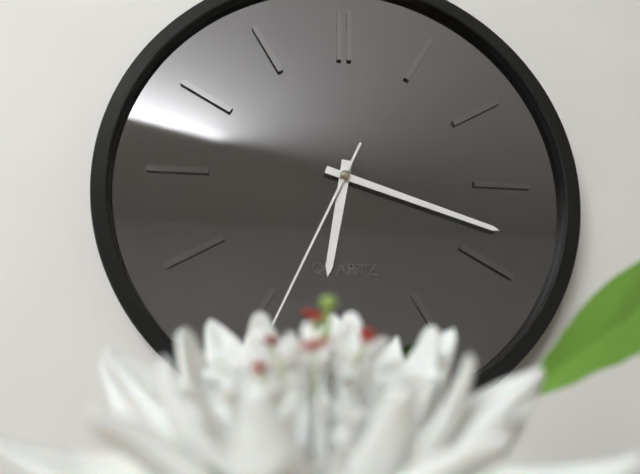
6:18:34
